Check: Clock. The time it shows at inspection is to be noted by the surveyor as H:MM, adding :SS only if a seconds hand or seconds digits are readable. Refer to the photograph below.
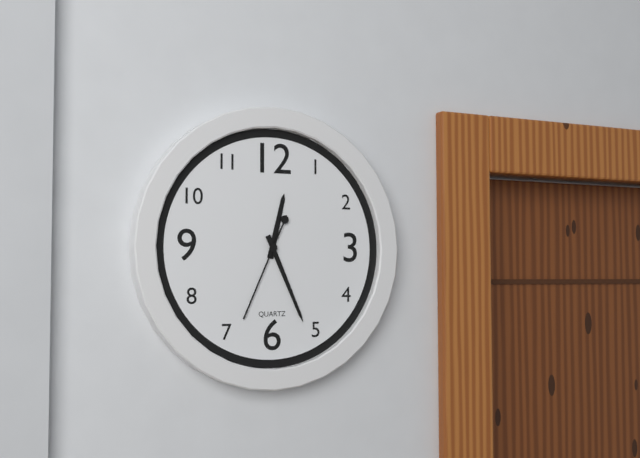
12:26:34
